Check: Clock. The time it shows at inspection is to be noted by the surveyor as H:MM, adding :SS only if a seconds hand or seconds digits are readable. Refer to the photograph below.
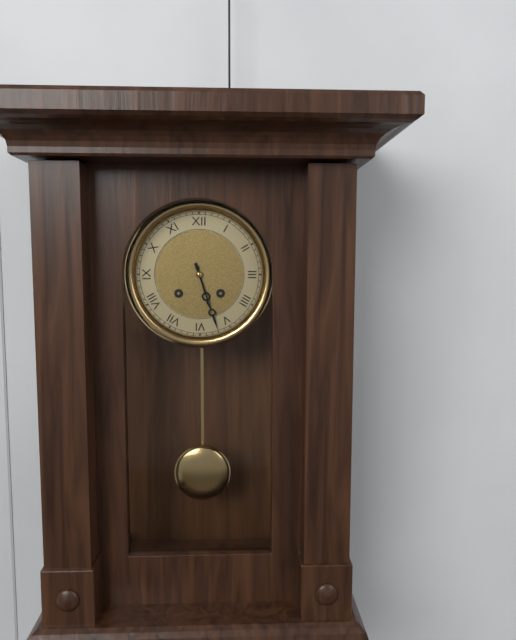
5:27
